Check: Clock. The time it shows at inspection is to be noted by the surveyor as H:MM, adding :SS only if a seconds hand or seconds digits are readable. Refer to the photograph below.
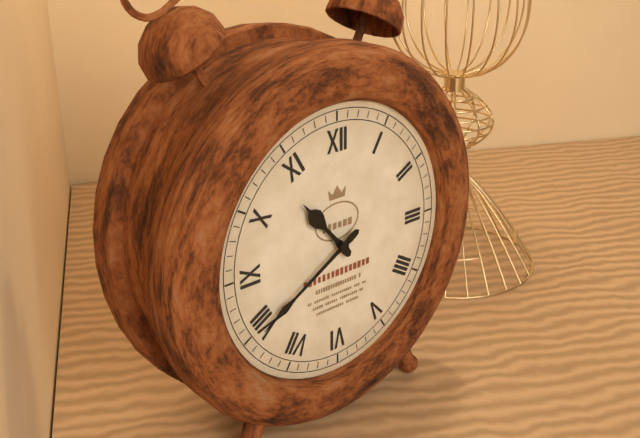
10:40
